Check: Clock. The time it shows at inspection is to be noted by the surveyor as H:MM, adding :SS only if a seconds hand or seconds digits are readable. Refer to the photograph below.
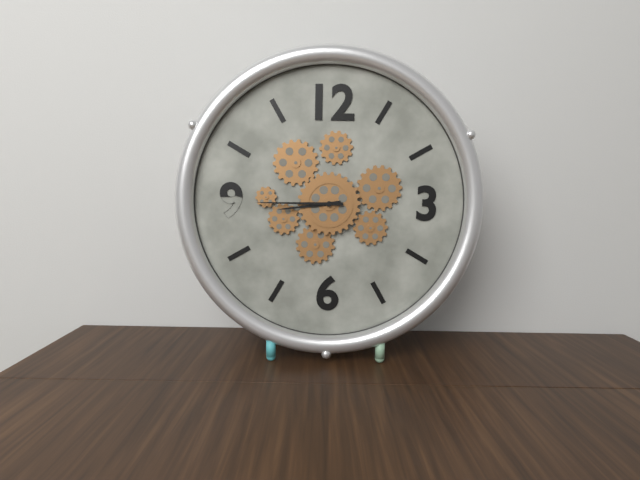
8:45
